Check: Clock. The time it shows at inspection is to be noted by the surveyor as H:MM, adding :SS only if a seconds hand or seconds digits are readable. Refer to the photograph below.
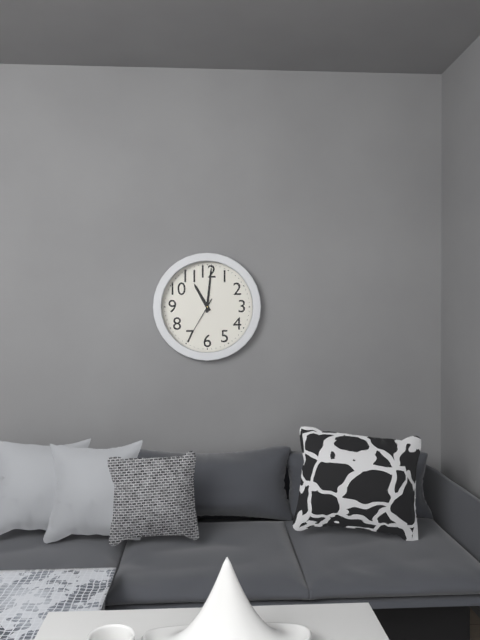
11:01
